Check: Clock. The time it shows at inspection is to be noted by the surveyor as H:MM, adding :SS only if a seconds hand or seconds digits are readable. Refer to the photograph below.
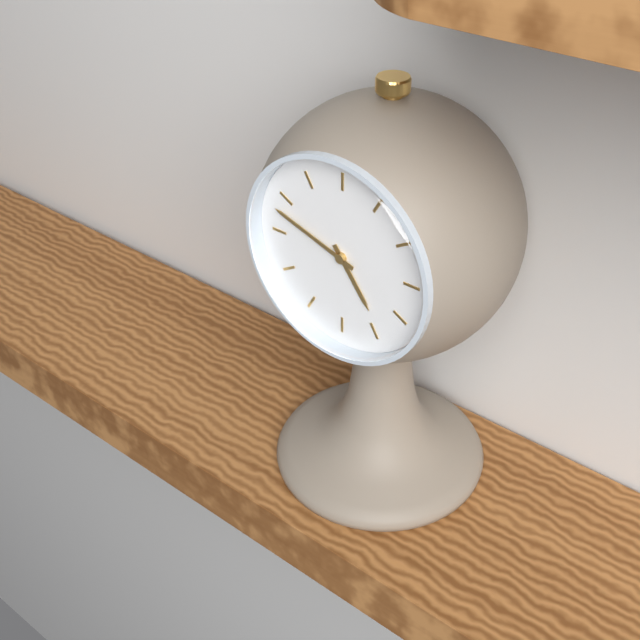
4:48
